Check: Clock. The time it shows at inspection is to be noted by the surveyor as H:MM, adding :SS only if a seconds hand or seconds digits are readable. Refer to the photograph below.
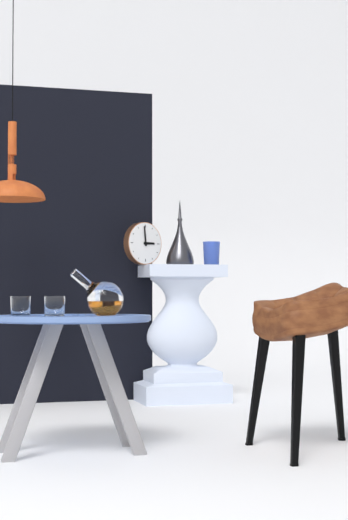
2:59
